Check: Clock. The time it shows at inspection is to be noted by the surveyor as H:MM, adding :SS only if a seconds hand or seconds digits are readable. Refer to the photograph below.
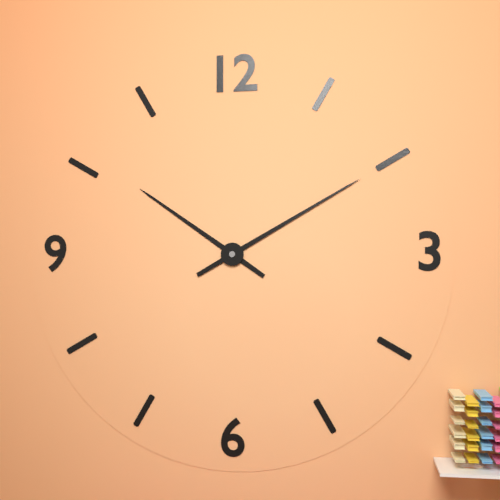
10:10
